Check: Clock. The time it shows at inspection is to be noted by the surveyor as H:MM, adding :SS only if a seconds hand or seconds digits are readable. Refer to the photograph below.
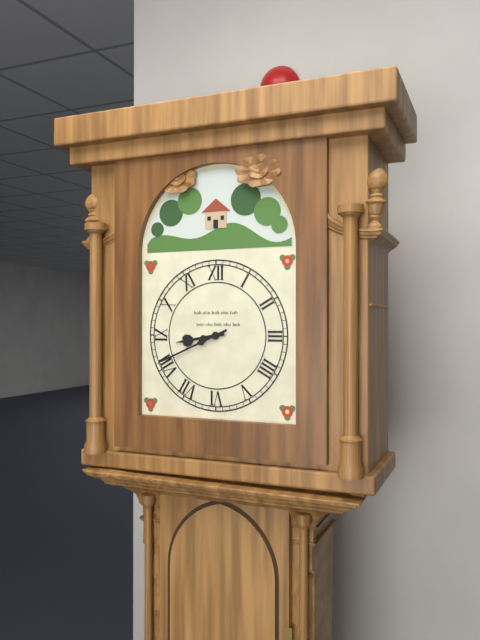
8:41
